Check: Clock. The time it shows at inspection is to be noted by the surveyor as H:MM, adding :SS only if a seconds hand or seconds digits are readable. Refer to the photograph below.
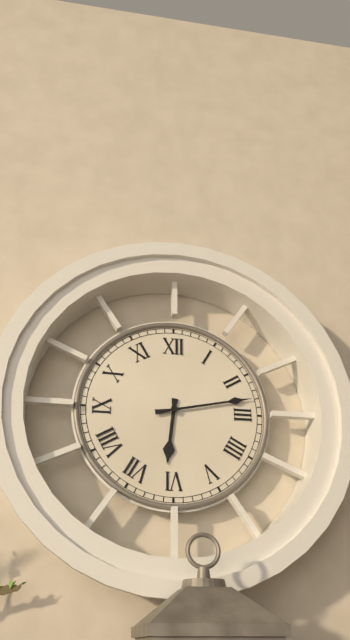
6:13
